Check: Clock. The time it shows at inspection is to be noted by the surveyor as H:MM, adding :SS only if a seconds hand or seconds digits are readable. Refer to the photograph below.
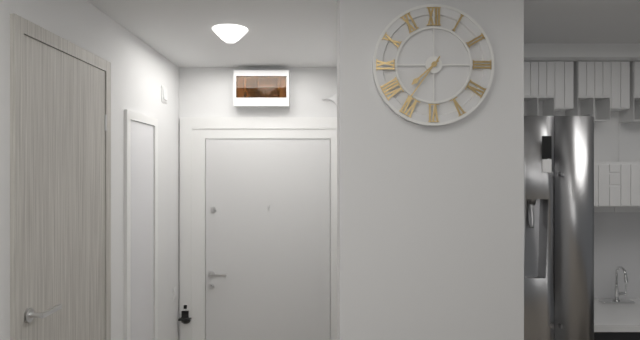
7:36
